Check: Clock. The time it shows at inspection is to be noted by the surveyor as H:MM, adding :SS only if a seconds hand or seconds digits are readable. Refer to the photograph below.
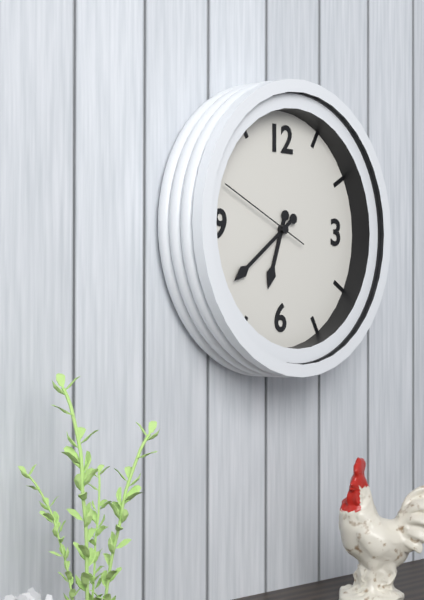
6:39:49
